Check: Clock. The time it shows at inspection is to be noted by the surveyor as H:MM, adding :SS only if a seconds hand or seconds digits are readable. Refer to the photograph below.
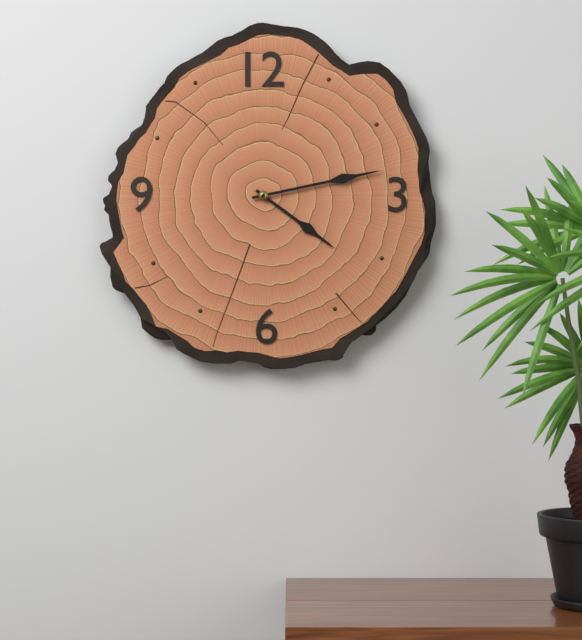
4:13
